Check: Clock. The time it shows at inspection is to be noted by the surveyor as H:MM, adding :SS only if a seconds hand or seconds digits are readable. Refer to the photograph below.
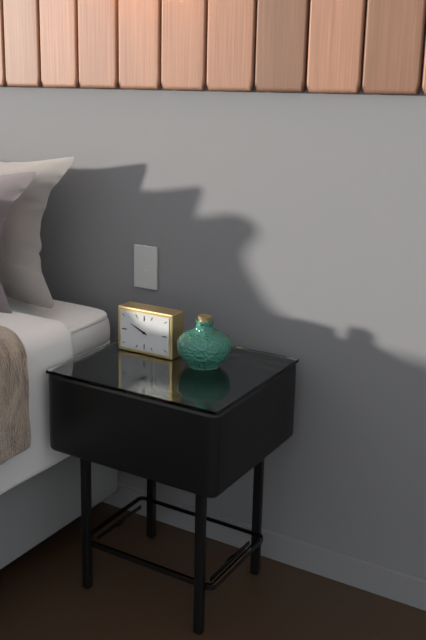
9:49
